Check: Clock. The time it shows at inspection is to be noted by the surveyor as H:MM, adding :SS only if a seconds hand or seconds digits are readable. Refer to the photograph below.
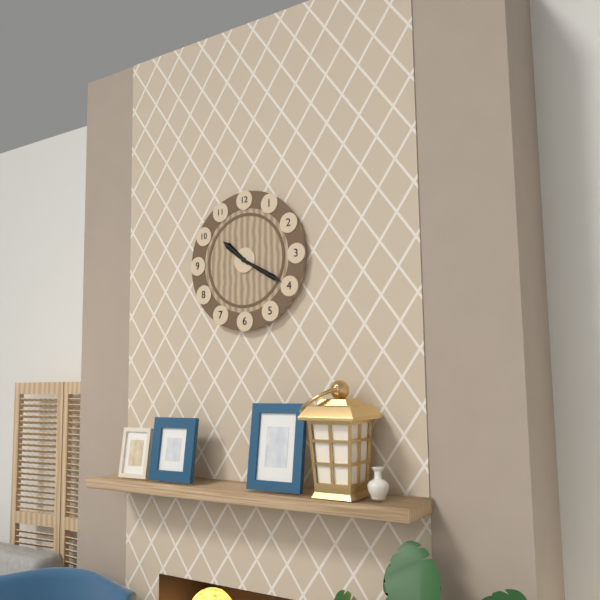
10:20
